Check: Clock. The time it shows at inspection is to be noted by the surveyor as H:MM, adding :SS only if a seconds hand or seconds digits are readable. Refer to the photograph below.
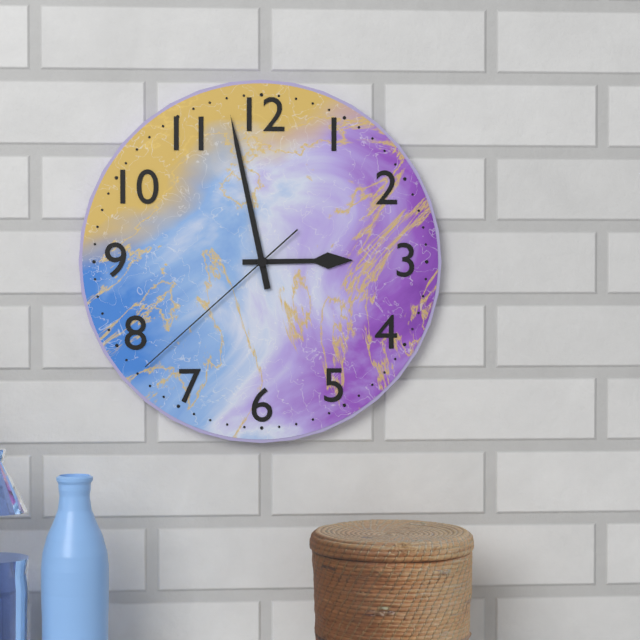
2:58:38
